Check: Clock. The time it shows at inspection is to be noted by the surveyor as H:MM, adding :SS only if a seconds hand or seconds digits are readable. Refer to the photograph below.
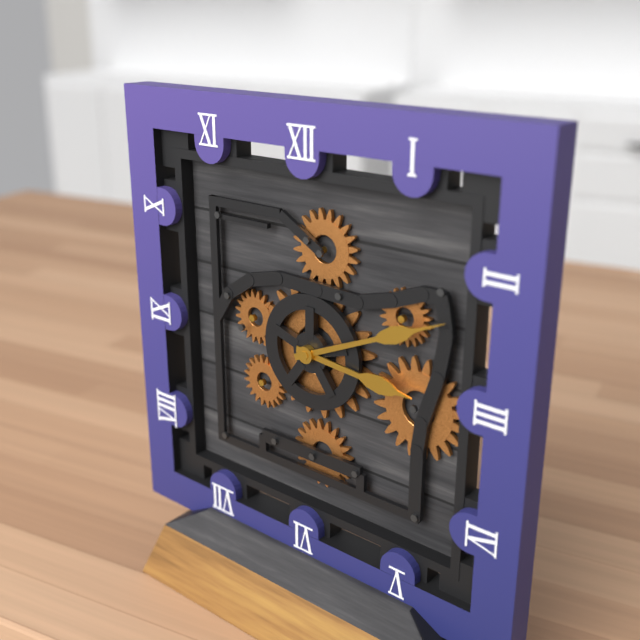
3:11
